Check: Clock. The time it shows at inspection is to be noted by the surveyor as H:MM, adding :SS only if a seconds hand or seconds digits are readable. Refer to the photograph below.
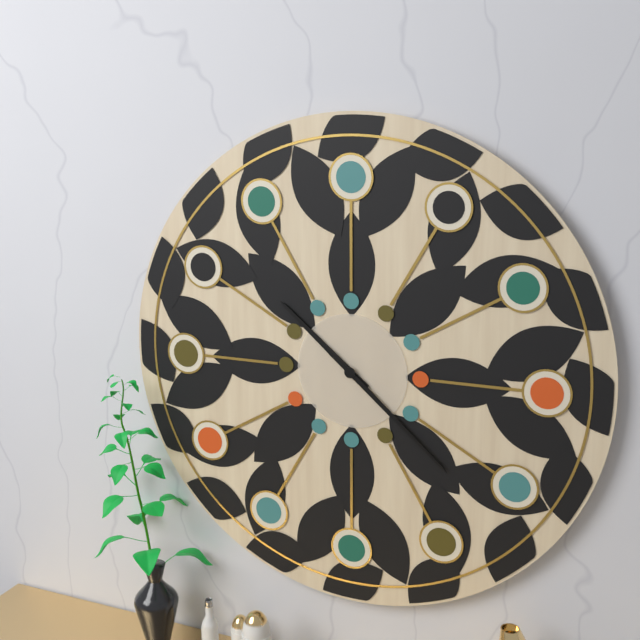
10:22
